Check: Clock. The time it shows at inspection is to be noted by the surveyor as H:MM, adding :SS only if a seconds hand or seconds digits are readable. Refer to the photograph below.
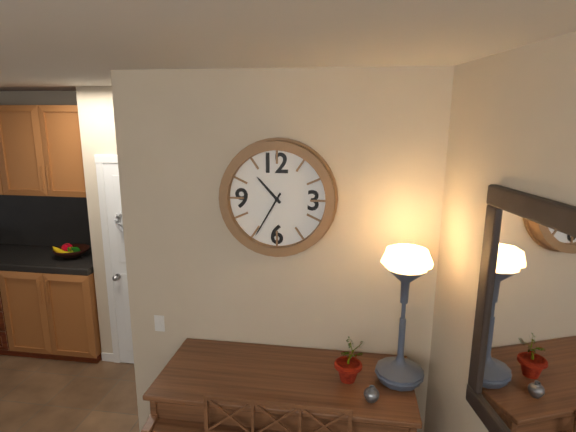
10:35
